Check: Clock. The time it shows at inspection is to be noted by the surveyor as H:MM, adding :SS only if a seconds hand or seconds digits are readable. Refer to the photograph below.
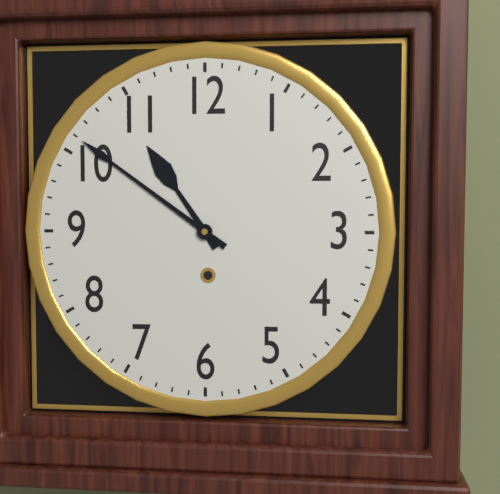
10:51
